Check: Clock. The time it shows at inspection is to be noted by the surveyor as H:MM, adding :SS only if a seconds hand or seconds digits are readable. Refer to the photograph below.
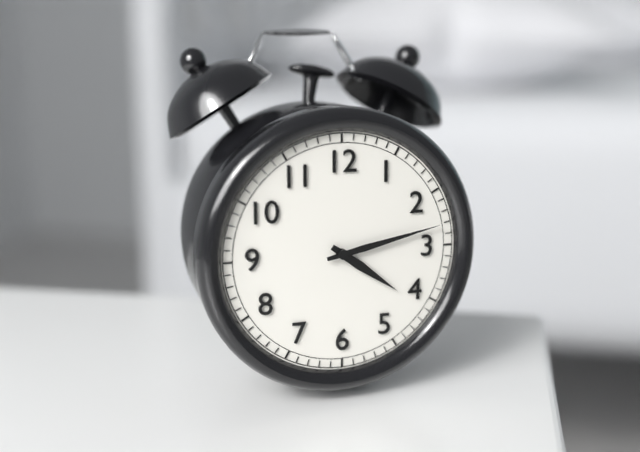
4:13
